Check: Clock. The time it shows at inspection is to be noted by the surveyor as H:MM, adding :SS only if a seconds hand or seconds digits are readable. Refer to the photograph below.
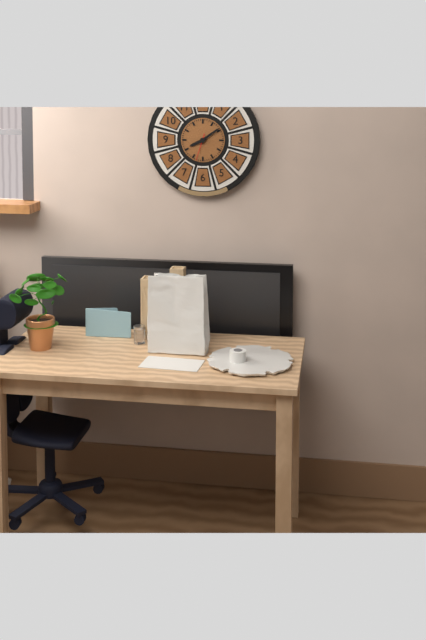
8:09
